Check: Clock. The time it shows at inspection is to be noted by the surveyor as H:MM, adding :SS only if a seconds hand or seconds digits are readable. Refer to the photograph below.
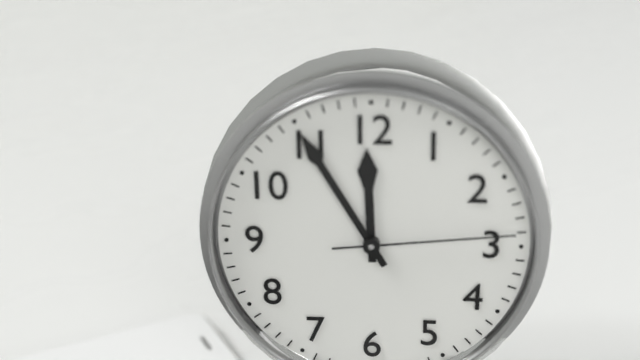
11:55:14
